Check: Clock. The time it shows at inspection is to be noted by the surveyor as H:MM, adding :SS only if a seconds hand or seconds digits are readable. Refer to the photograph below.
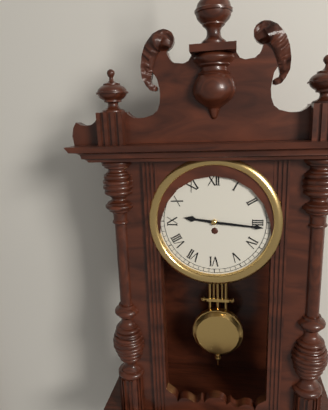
9:16
